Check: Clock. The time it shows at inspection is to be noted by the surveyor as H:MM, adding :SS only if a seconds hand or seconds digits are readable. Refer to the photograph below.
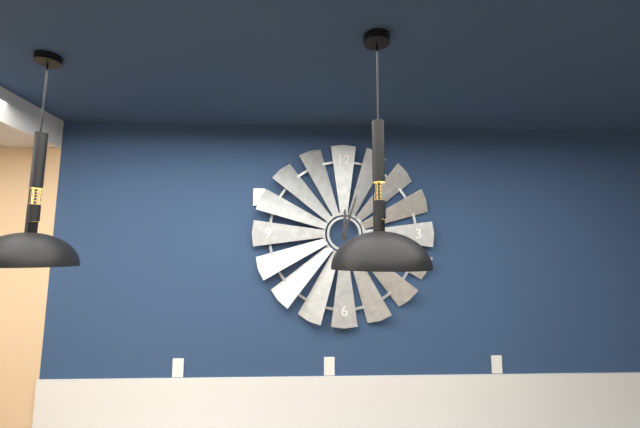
12:03
